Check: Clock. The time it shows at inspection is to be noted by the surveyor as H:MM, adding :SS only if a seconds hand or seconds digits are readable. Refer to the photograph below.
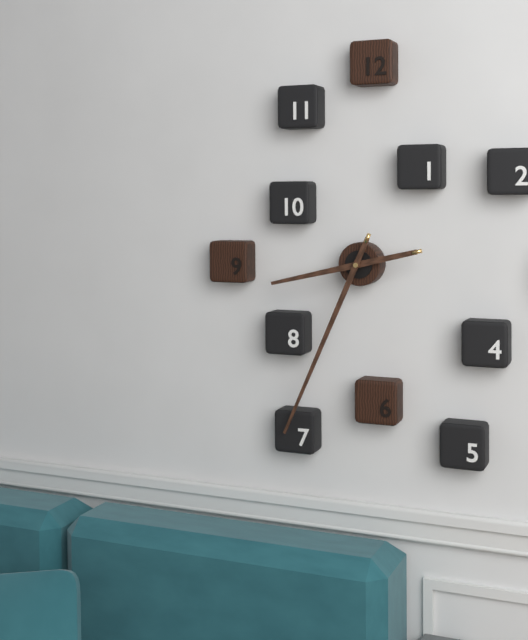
8:34
